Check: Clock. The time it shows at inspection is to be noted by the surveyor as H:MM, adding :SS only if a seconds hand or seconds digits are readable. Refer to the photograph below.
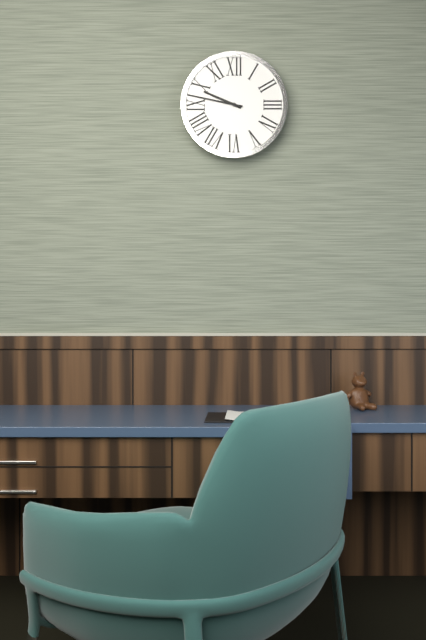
9:47
